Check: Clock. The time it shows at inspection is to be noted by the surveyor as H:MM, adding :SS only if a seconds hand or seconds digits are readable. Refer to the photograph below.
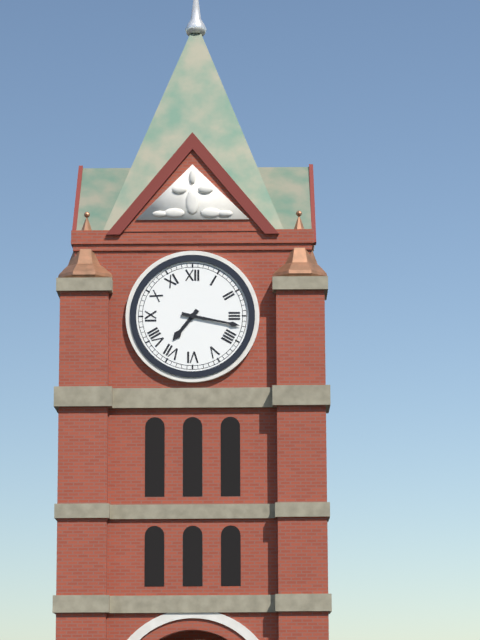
7:17
